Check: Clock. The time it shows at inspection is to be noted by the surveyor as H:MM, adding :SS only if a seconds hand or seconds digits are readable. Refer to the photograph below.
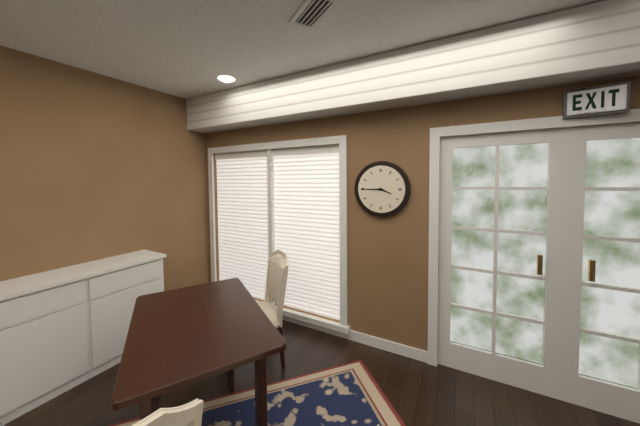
3:45
